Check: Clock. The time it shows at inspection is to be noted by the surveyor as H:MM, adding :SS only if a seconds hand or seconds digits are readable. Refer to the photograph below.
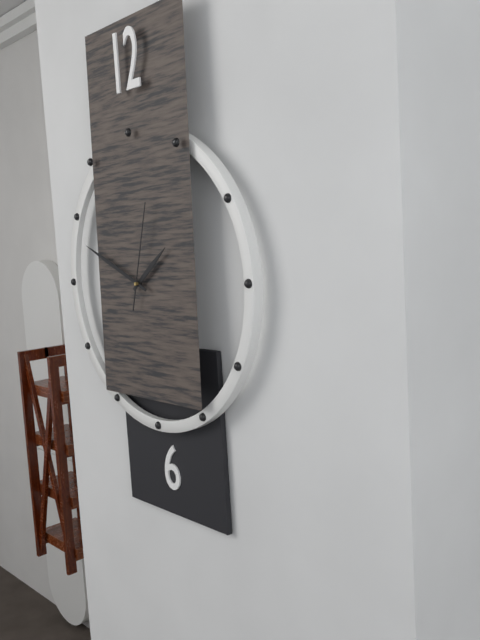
1:49:03
